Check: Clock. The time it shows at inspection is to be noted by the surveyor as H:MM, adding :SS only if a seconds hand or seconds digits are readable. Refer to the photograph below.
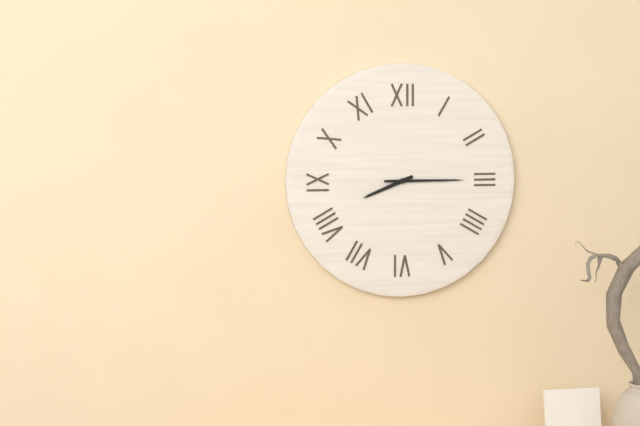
8:15
